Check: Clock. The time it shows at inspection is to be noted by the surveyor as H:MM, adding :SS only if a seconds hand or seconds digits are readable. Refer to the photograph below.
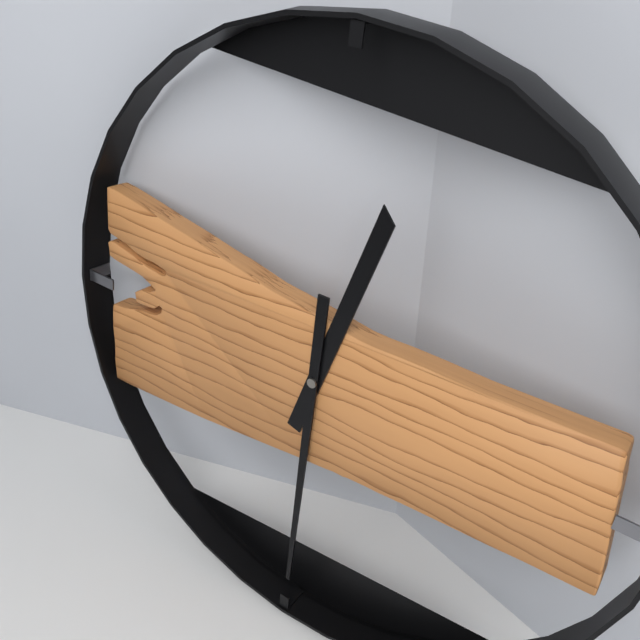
12:30
